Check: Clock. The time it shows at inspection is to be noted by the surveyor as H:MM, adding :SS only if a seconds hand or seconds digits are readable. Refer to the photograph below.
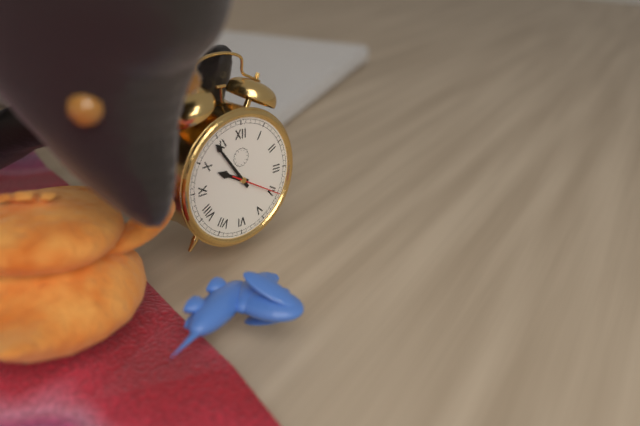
9:54:20
